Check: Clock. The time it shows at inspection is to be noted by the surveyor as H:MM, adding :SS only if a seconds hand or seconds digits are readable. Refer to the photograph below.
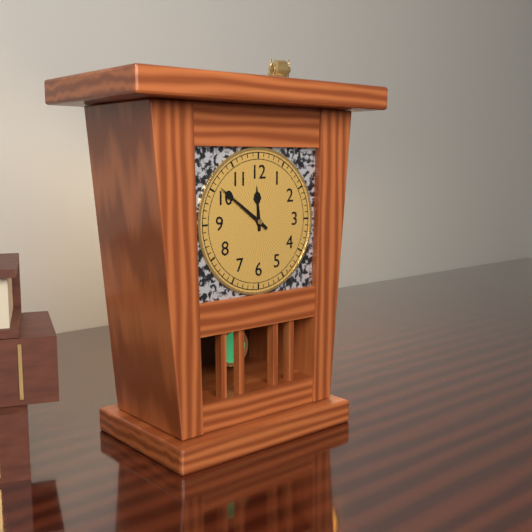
11:51
